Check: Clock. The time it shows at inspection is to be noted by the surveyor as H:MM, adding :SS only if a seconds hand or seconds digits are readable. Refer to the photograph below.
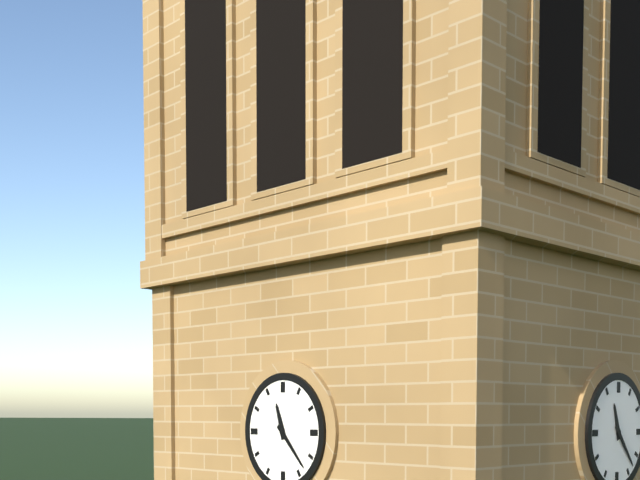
11:23
